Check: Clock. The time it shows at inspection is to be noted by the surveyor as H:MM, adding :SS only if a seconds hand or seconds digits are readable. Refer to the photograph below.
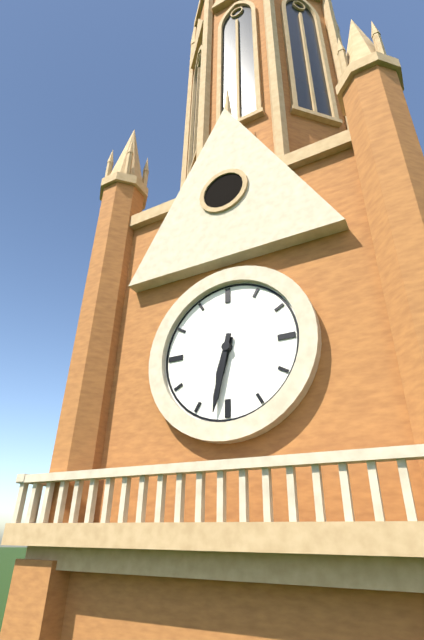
6:32
